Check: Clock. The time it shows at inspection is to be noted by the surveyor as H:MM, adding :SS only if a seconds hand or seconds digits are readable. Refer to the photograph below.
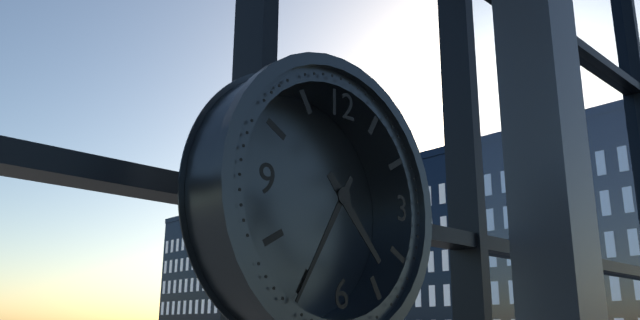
4:35
